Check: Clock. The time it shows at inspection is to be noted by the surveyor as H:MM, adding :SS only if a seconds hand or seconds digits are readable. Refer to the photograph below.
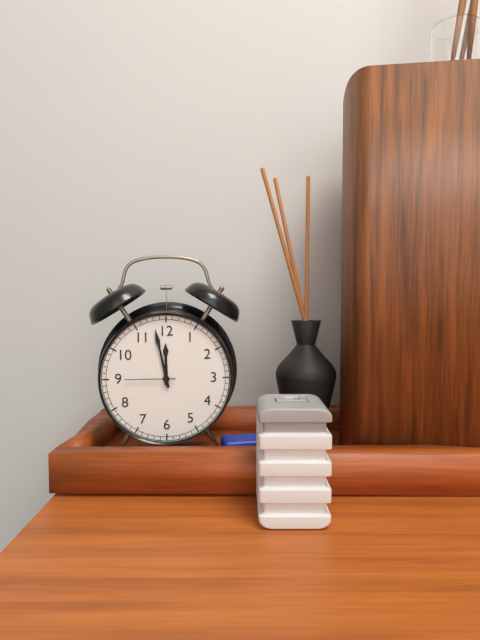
11:58:45
